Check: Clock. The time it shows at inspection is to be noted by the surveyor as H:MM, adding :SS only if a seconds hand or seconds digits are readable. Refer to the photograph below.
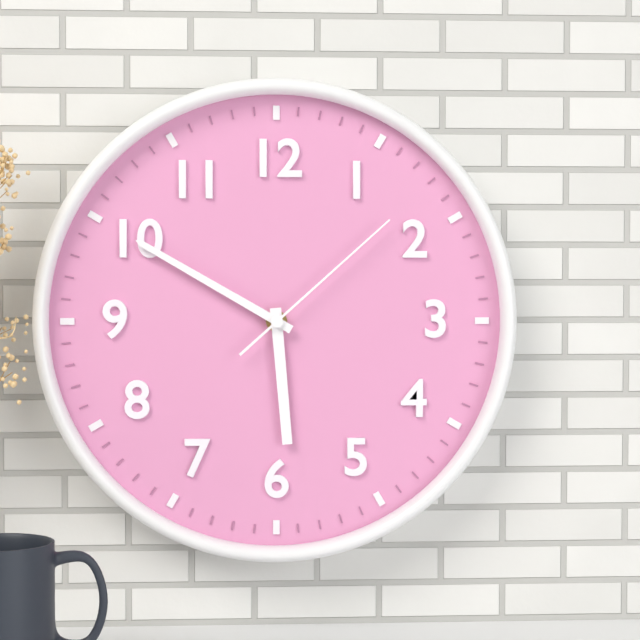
5:50:08
